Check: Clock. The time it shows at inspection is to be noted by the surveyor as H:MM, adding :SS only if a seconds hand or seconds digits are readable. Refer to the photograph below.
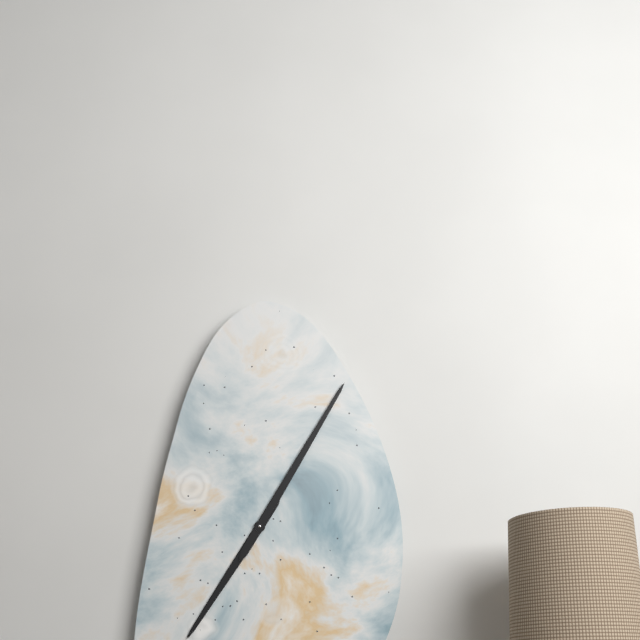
7:05
